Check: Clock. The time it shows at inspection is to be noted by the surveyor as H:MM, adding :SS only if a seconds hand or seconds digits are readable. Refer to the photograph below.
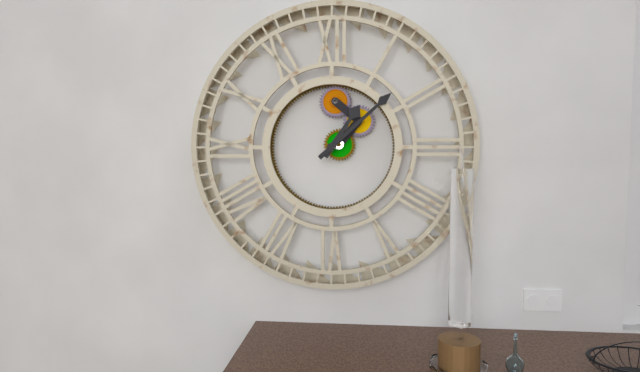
1:08
